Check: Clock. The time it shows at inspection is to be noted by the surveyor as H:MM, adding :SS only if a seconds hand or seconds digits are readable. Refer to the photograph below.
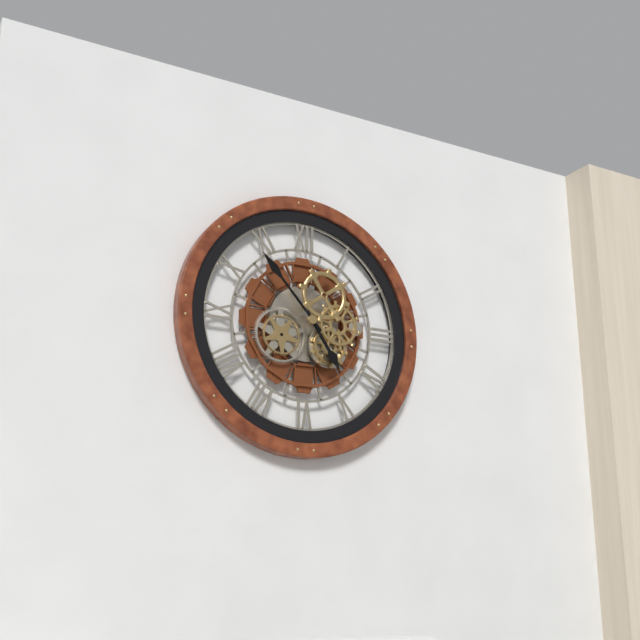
4:53
